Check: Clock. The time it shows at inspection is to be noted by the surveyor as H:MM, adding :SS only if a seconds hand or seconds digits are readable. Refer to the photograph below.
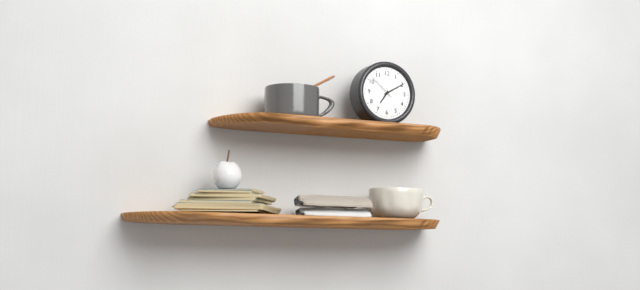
7:10
